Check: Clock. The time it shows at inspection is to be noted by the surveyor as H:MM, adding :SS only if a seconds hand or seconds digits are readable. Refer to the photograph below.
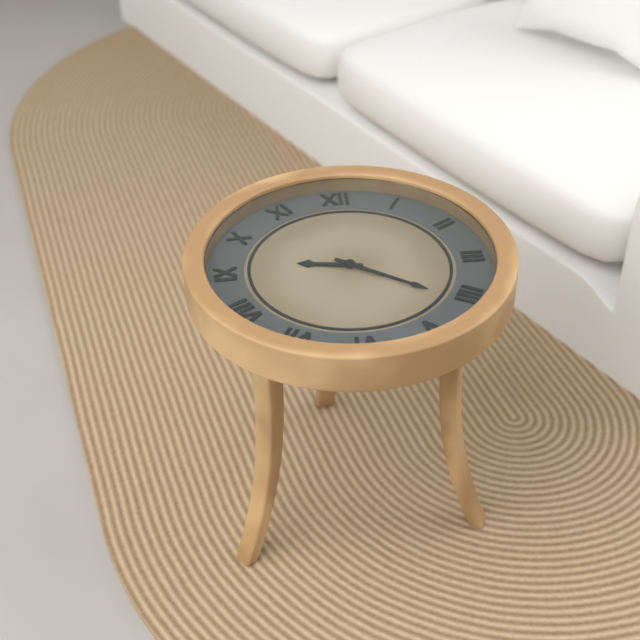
9:21
